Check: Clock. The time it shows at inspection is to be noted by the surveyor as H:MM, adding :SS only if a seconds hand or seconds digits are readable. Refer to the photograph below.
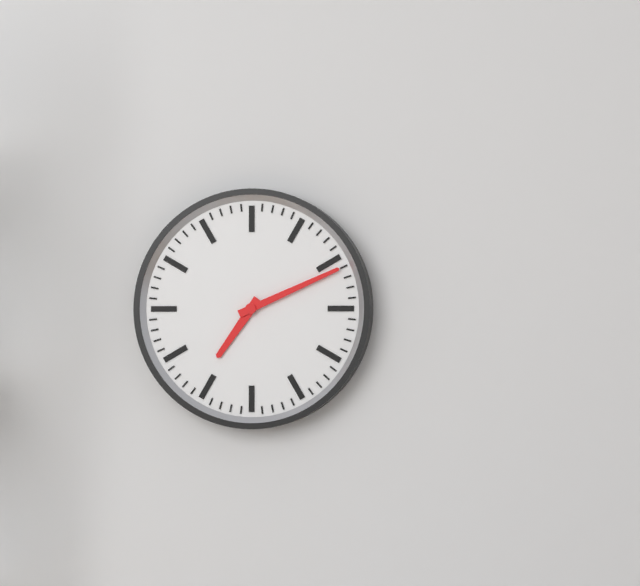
7:11
